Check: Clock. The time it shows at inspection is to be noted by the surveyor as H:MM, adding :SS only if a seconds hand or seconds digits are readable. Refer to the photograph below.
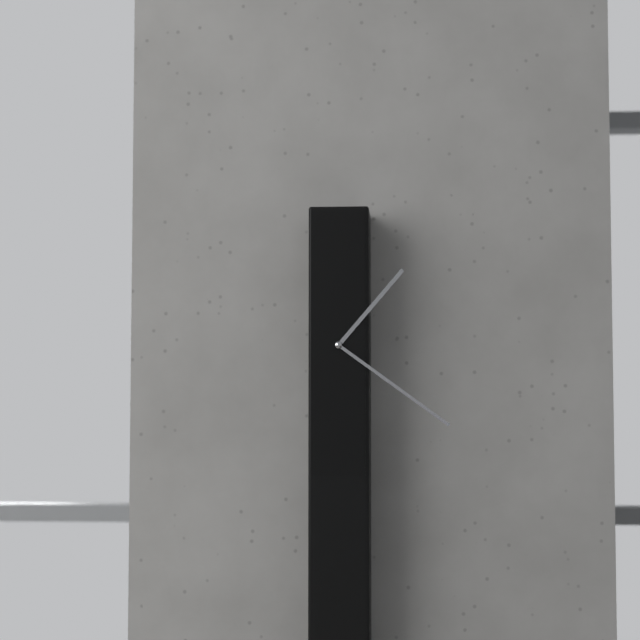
1:21
